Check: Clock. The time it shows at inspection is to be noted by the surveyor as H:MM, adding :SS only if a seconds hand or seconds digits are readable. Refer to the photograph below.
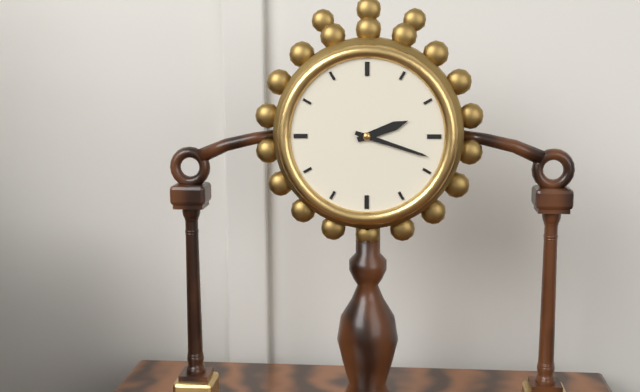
2:18
